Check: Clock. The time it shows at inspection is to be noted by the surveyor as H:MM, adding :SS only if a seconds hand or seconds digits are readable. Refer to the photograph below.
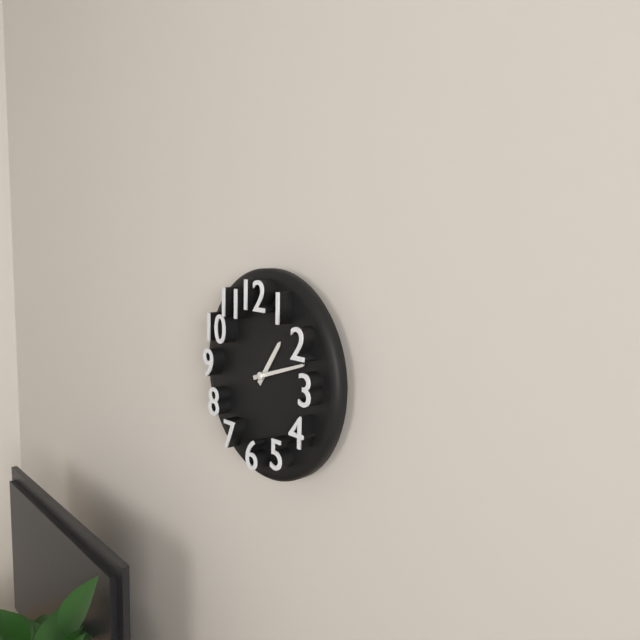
1:12
